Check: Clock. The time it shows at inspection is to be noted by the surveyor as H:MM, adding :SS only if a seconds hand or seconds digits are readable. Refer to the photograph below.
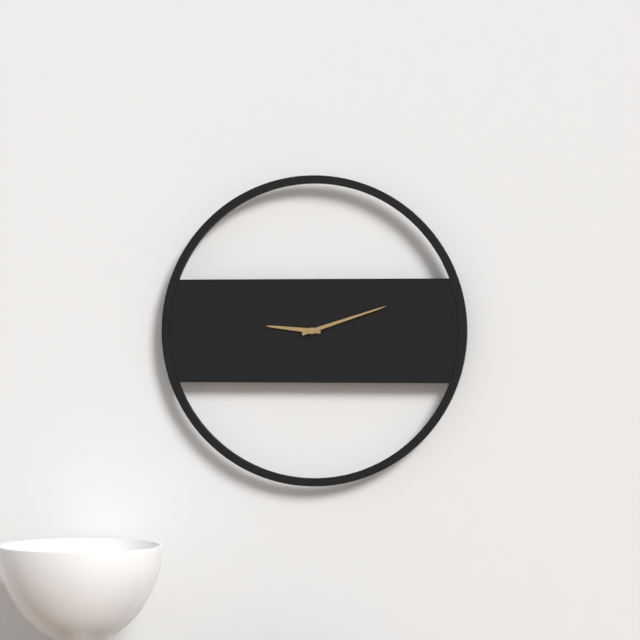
9:12
